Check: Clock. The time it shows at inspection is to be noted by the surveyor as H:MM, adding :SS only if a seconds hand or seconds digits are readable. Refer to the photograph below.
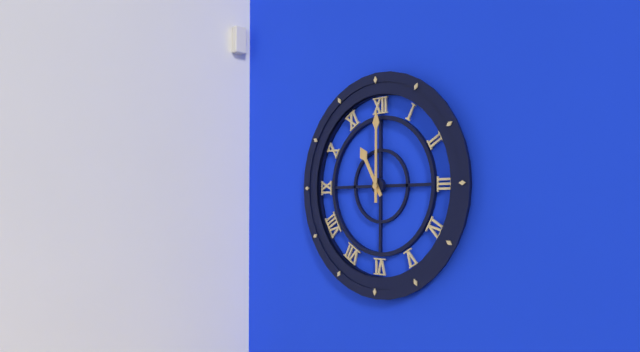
11:00
